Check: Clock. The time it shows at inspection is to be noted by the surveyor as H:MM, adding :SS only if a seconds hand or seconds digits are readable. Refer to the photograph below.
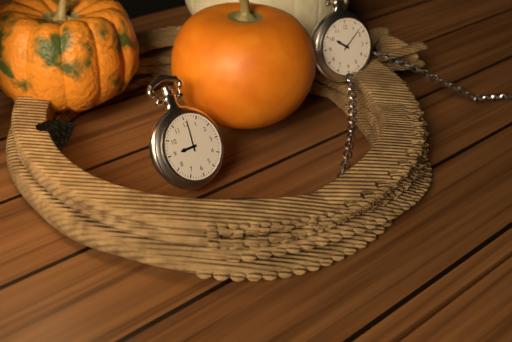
9:01
